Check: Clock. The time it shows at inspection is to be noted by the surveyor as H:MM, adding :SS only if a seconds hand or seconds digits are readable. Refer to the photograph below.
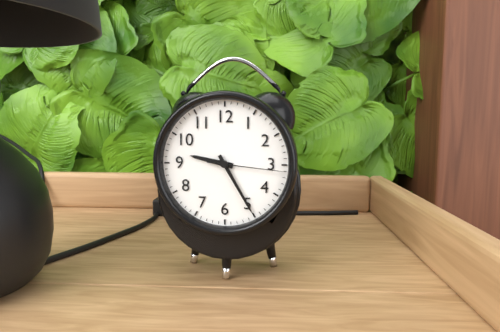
9:25:16
